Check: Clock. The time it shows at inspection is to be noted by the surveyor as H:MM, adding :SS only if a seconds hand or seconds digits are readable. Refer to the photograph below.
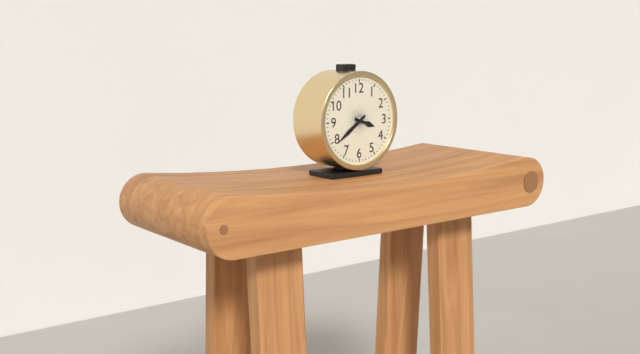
3:39
